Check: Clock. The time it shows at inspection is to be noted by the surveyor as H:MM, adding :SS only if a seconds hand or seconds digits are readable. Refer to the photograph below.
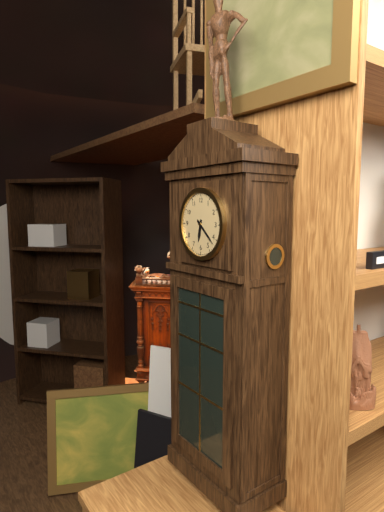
6:22
